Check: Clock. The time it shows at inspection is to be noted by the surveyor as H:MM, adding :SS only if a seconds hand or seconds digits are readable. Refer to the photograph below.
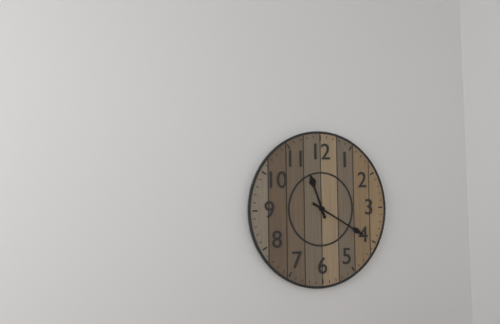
11:20
